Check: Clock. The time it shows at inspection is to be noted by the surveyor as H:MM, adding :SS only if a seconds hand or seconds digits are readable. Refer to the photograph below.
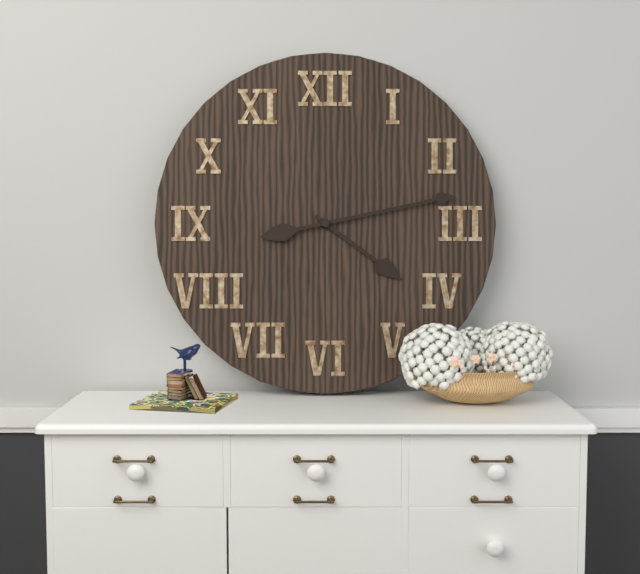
4:13
